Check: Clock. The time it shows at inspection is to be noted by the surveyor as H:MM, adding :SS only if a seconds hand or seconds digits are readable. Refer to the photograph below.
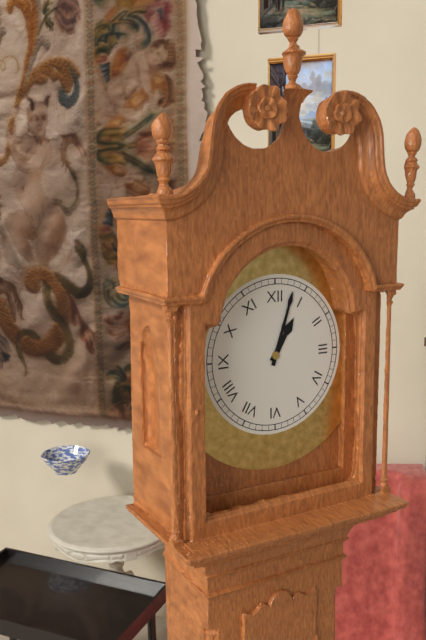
1:03
